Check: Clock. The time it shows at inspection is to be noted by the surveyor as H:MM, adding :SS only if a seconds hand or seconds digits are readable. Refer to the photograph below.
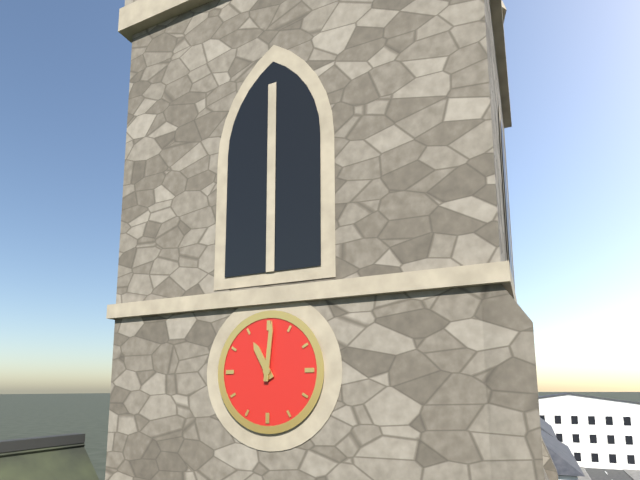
11:01
